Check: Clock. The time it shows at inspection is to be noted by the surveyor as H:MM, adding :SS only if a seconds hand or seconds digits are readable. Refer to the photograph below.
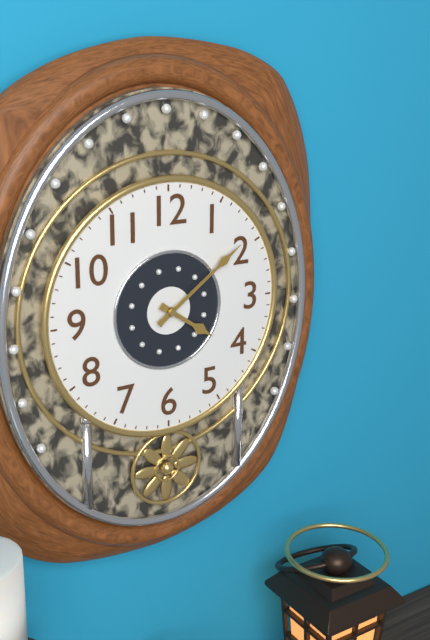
4:09
